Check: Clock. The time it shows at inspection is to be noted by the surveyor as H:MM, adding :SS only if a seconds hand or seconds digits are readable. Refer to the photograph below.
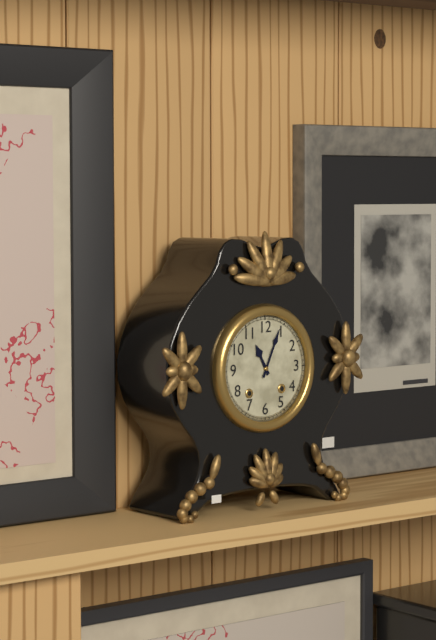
11:04
